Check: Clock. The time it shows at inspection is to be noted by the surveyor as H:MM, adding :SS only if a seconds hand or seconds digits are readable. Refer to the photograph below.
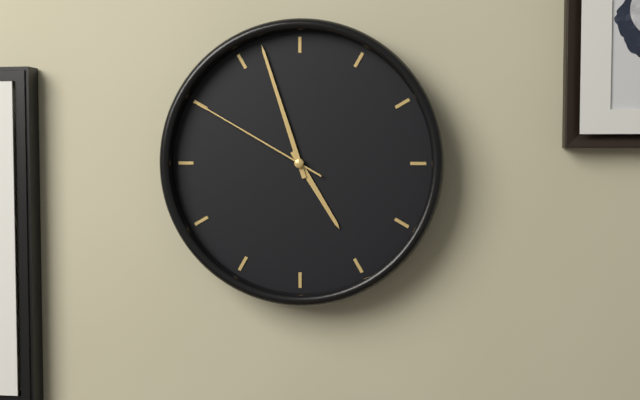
4:57:50
